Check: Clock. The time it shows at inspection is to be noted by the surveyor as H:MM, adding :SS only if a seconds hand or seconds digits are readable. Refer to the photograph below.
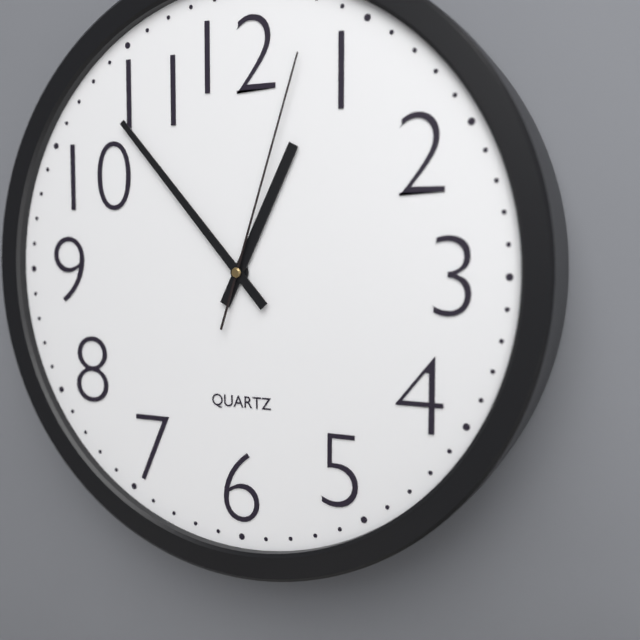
12:53:03
